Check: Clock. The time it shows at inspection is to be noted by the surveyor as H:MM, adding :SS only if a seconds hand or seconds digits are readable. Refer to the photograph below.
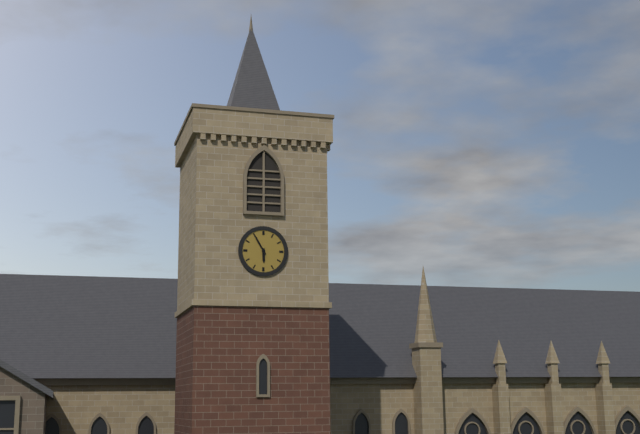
5:55
